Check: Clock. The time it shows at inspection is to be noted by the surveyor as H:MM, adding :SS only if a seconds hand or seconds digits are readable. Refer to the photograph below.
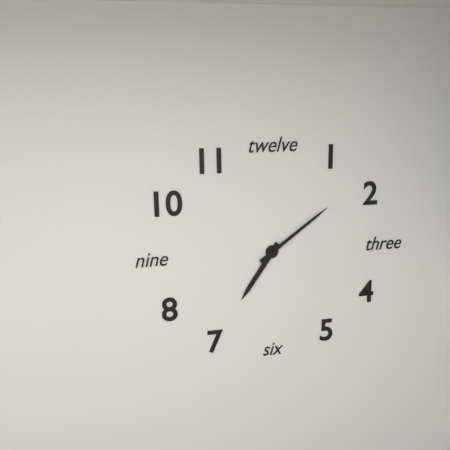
7:09
